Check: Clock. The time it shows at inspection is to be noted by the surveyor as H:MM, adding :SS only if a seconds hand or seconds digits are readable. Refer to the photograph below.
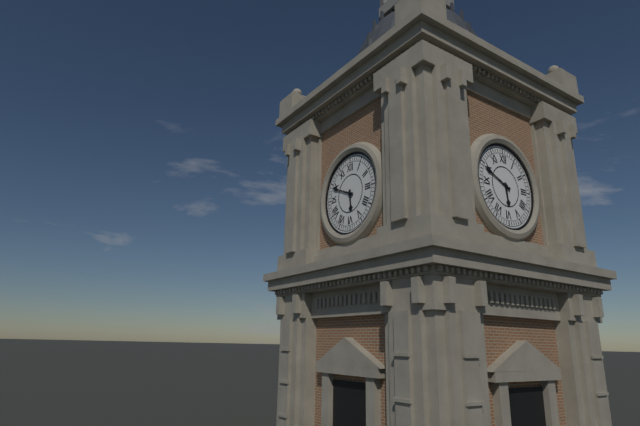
5:49
